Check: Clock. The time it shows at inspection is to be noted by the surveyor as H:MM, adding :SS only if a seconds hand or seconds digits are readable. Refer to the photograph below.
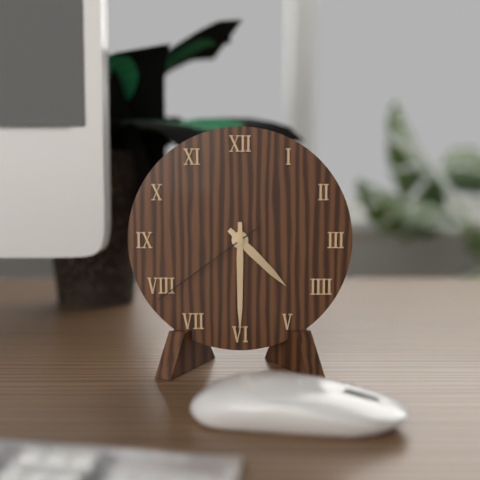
4:30:39
